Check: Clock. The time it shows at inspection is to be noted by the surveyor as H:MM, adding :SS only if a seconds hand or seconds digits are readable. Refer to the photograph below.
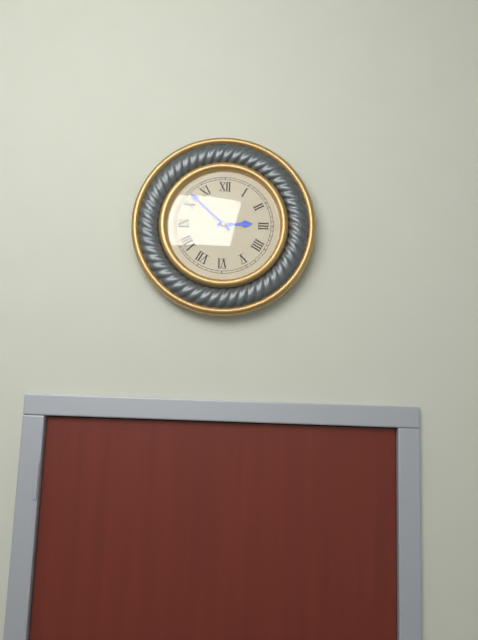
2:52
